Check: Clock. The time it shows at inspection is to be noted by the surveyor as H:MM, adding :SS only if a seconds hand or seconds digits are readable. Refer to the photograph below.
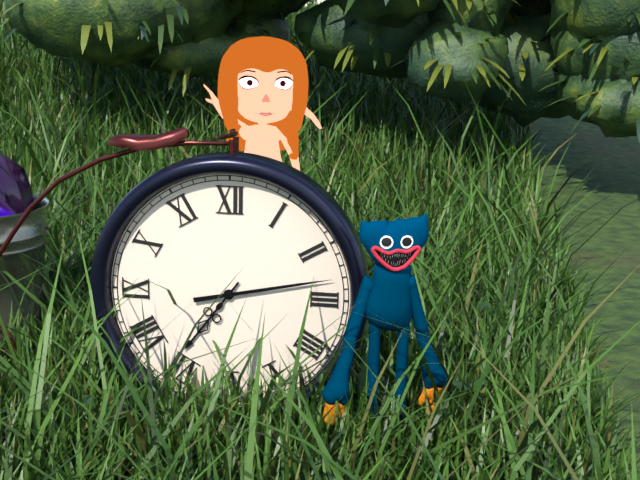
7:13
